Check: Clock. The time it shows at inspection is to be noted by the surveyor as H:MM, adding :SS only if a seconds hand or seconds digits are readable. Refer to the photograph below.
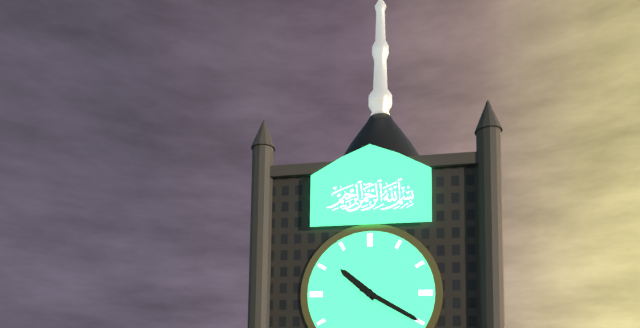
10:20
